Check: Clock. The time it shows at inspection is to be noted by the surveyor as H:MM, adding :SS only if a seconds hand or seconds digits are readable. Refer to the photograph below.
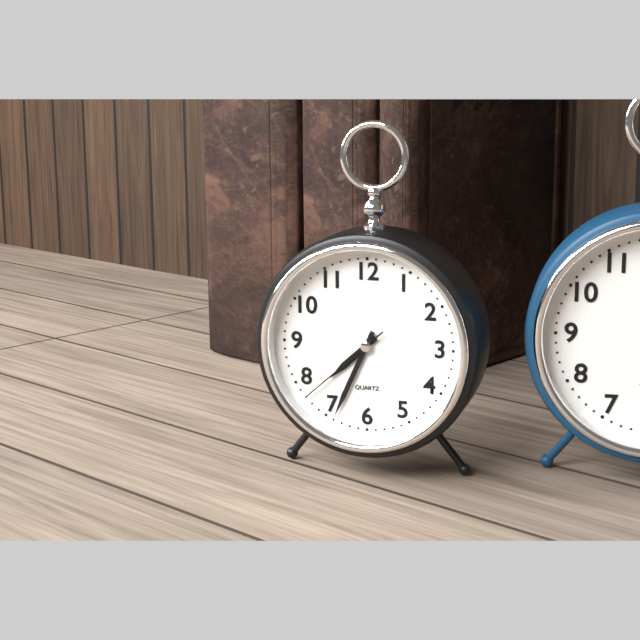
7:34:38
